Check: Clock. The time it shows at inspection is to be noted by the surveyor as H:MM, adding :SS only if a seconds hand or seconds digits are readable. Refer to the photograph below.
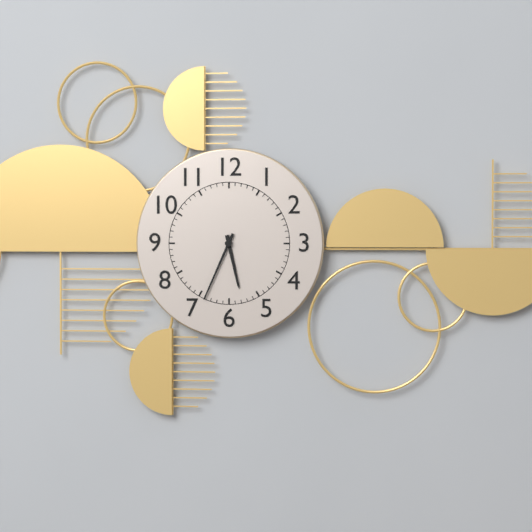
5:34
